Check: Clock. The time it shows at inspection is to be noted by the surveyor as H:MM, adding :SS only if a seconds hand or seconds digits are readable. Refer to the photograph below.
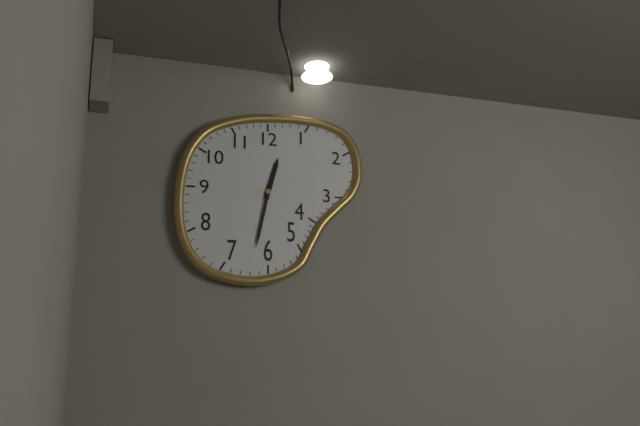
12:32
